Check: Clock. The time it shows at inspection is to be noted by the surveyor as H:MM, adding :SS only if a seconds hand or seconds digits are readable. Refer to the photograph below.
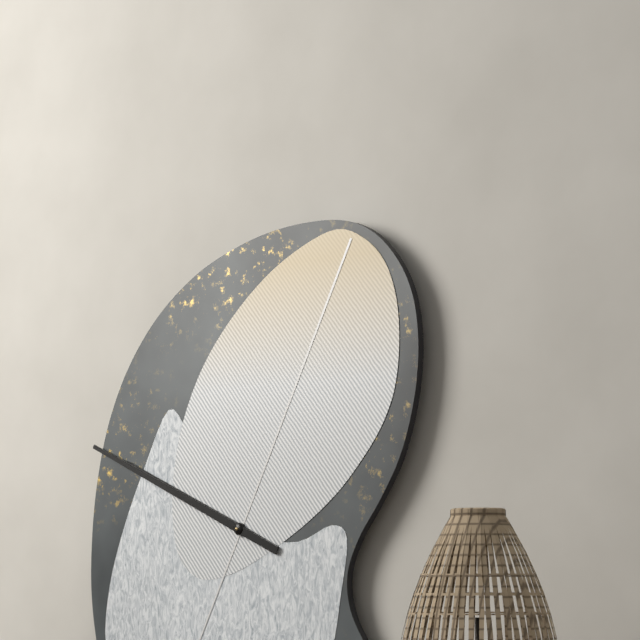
9:49
